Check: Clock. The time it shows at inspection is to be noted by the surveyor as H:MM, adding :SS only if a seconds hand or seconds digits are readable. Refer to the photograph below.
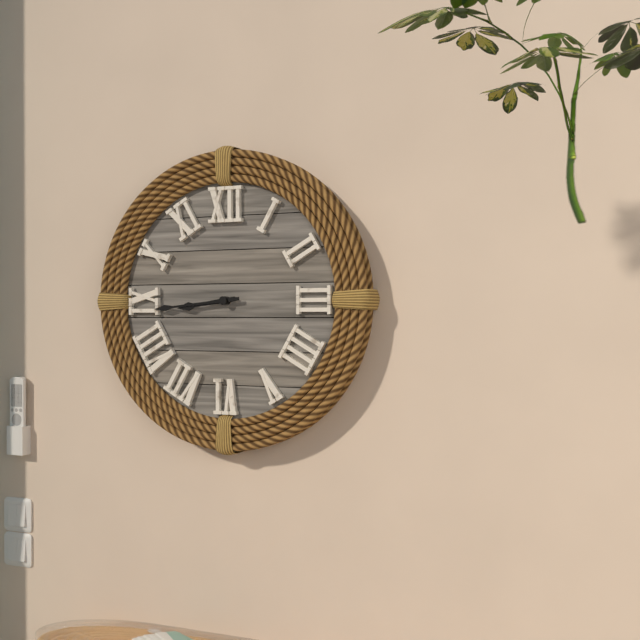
8:44
